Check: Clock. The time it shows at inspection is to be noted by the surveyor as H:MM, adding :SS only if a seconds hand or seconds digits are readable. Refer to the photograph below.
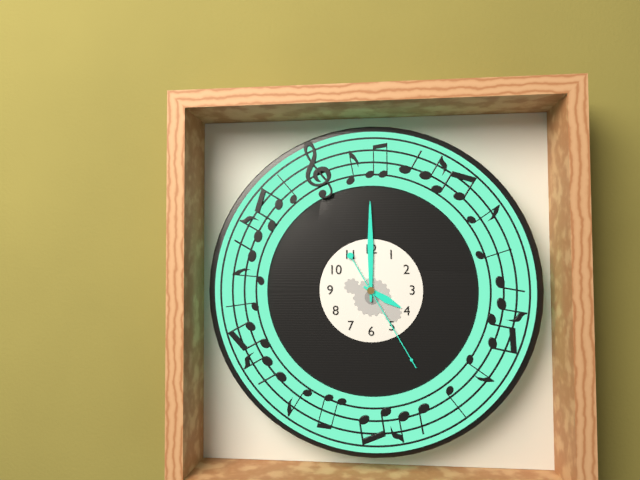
4:00:25
